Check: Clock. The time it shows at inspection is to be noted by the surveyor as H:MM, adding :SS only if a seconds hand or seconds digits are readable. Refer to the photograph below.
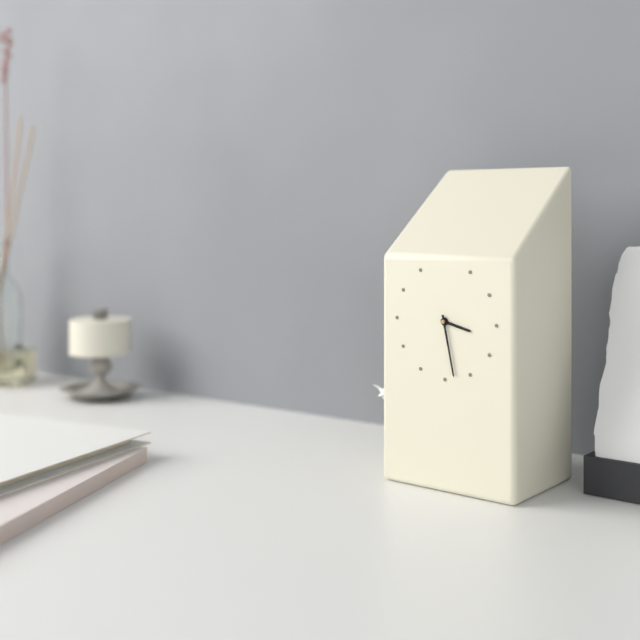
3:28
